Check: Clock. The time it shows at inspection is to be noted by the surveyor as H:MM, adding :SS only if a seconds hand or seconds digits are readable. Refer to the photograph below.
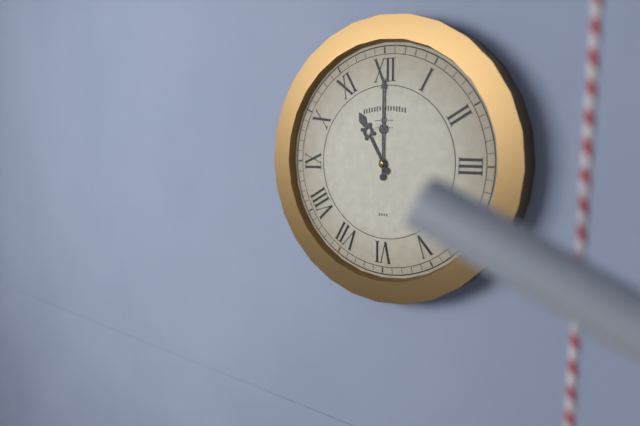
11:00
